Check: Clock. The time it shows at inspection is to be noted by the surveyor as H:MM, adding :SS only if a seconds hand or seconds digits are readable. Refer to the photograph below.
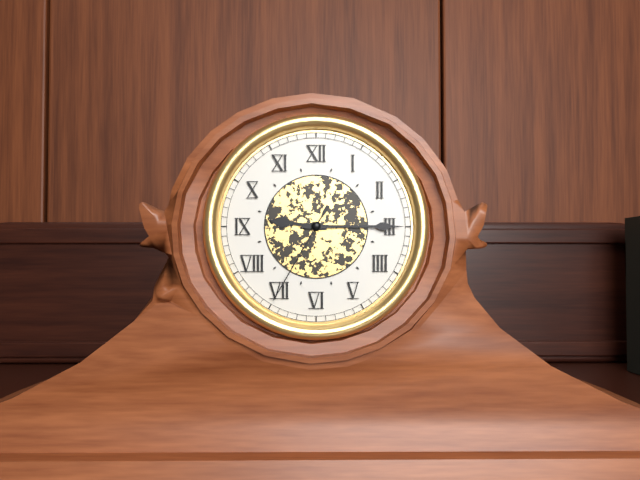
9:15:35
